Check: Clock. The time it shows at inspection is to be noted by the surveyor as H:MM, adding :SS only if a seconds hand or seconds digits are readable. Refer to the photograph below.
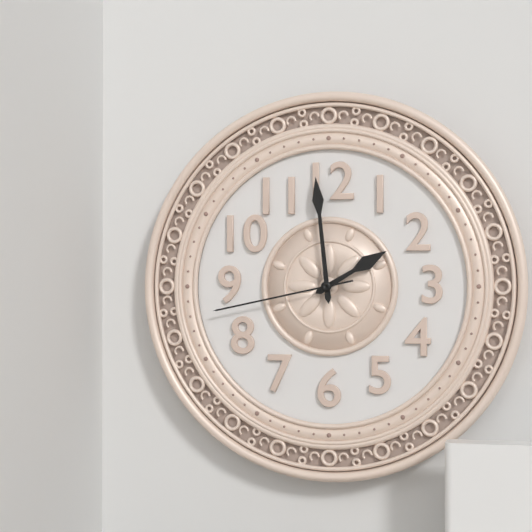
1:59:43
